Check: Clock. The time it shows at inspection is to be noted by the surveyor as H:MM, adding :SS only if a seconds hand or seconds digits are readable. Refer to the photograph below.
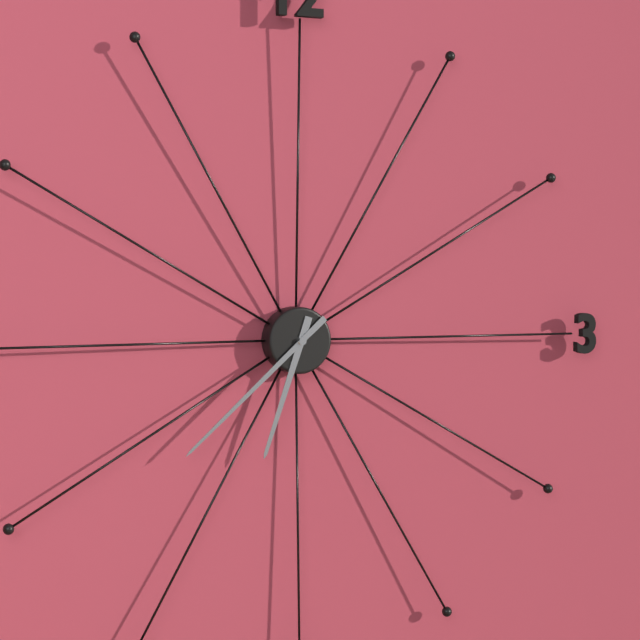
6:38
